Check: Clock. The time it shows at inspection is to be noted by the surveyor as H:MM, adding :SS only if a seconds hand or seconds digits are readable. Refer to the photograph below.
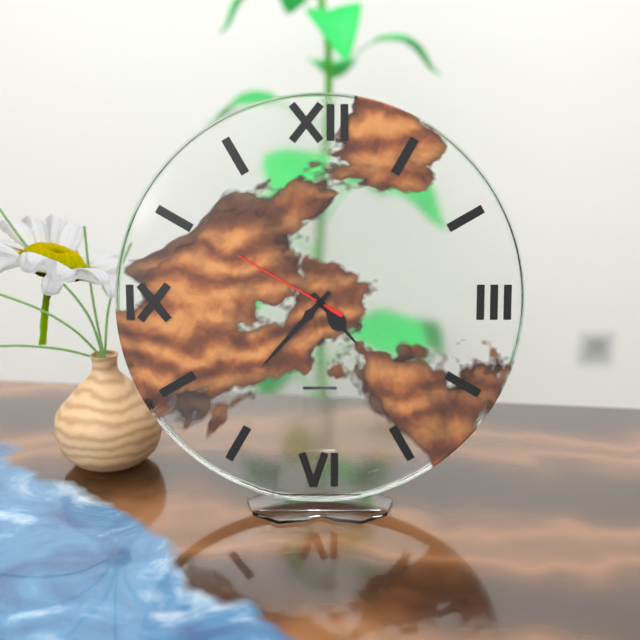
4:37:50
